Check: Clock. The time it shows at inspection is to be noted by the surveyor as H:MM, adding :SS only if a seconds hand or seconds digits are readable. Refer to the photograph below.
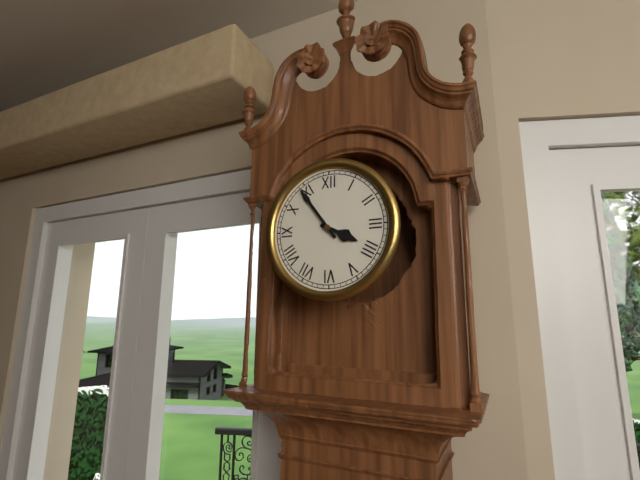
3:54
